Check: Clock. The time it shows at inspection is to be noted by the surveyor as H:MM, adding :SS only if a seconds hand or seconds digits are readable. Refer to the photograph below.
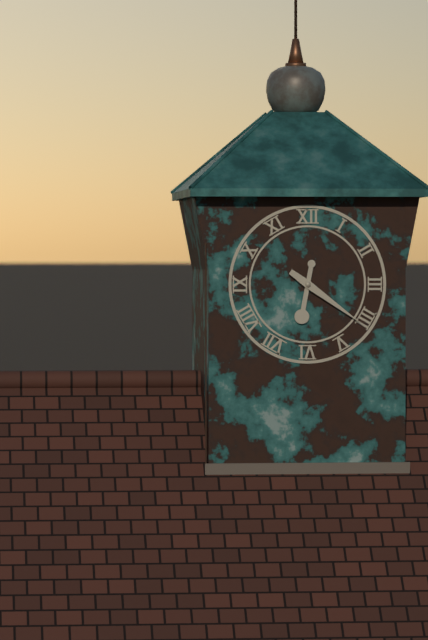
6:21
